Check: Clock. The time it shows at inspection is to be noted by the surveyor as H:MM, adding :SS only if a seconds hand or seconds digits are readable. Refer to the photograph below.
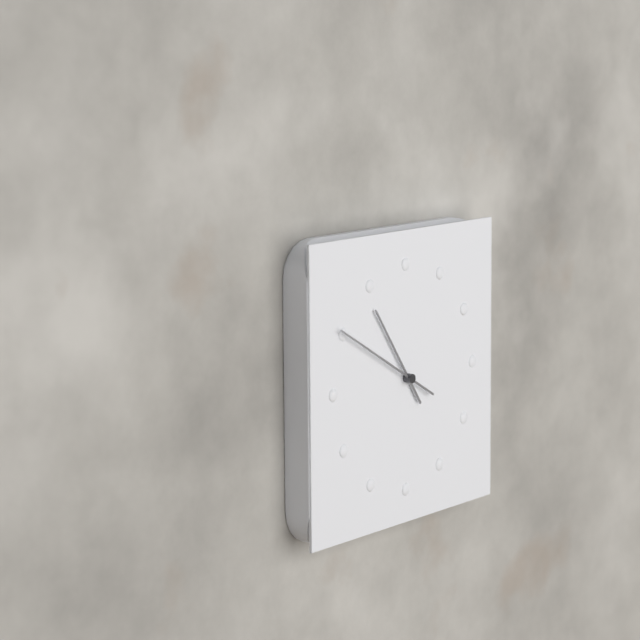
10:50
